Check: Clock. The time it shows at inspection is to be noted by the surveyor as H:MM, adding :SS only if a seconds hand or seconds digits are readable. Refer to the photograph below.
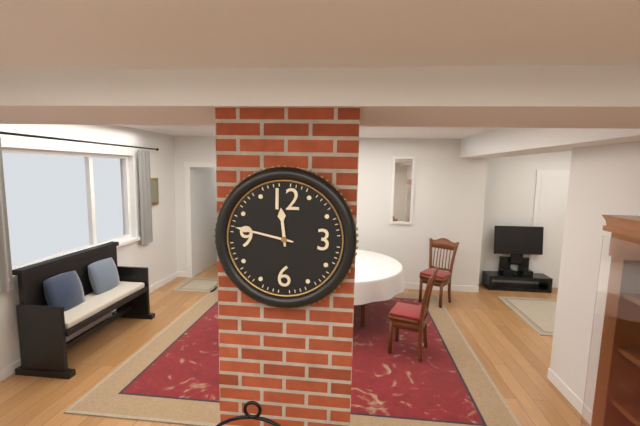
11:47
